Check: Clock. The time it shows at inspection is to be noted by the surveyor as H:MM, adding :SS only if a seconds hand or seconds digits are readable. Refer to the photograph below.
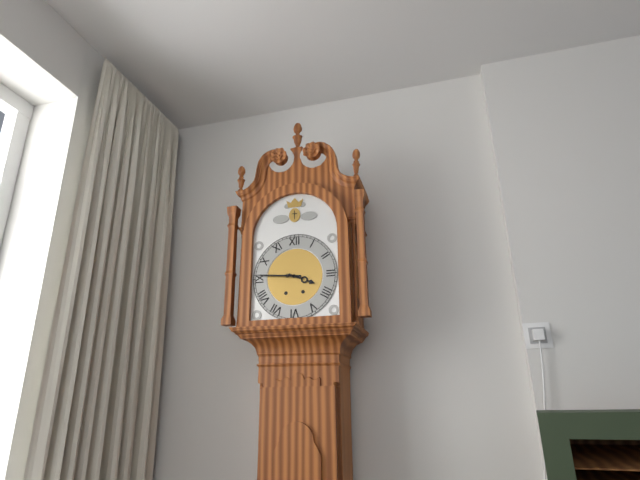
3:46
